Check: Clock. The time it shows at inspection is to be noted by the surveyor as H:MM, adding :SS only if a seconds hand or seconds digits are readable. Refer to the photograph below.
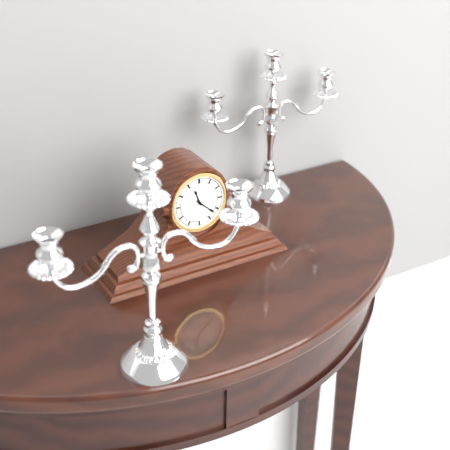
11:22
